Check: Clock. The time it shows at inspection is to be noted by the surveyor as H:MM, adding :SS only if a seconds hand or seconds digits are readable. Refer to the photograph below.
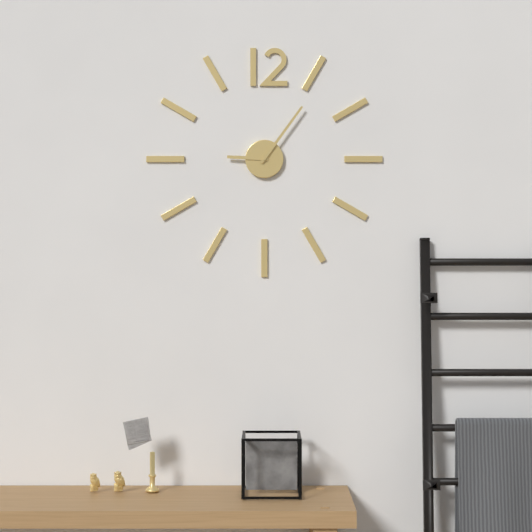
9:06
